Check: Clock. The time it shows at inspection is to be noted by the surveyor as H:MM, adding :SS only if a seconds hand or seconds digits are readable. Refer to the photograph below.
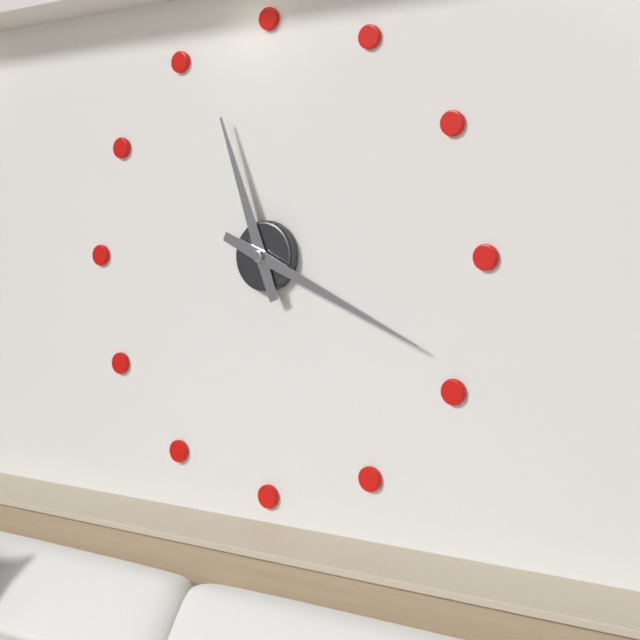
11:19
